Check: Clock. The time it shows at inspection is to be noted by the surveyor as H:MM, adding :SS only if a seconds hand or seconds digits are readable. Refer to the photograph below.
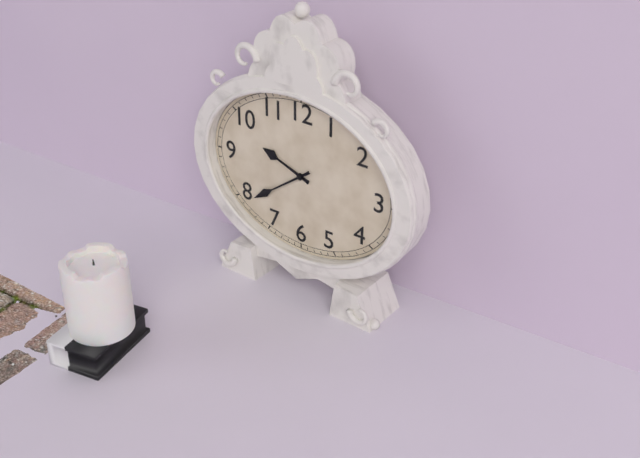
9:39
